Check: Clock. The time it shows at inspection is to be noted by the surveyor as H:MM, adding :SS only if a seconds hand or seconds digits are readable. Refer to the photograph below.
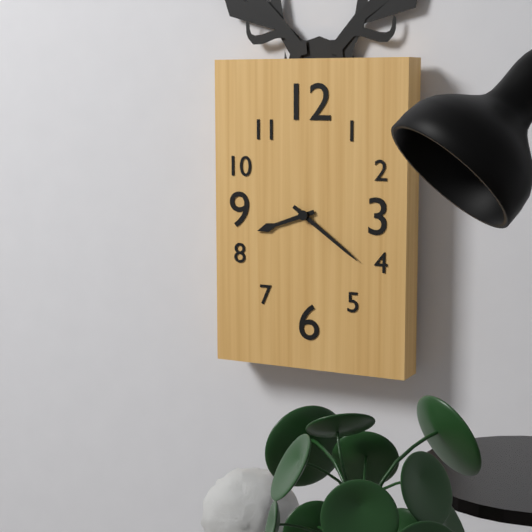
8:21
